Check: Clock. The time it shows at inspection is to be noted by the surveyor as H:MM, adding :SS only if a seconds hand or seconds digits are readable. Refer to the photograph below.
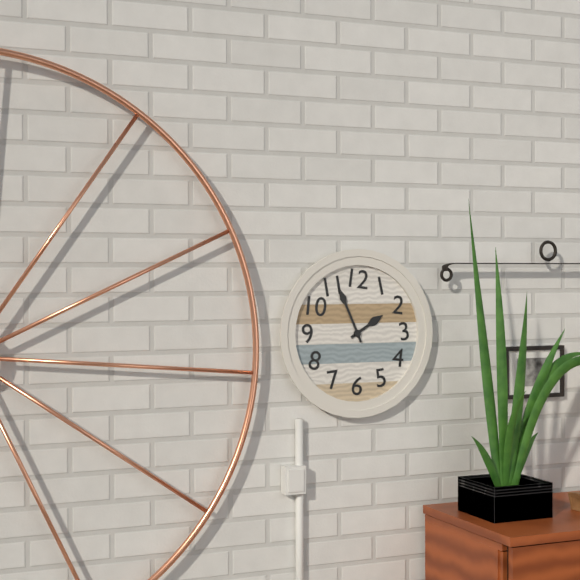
1:56
